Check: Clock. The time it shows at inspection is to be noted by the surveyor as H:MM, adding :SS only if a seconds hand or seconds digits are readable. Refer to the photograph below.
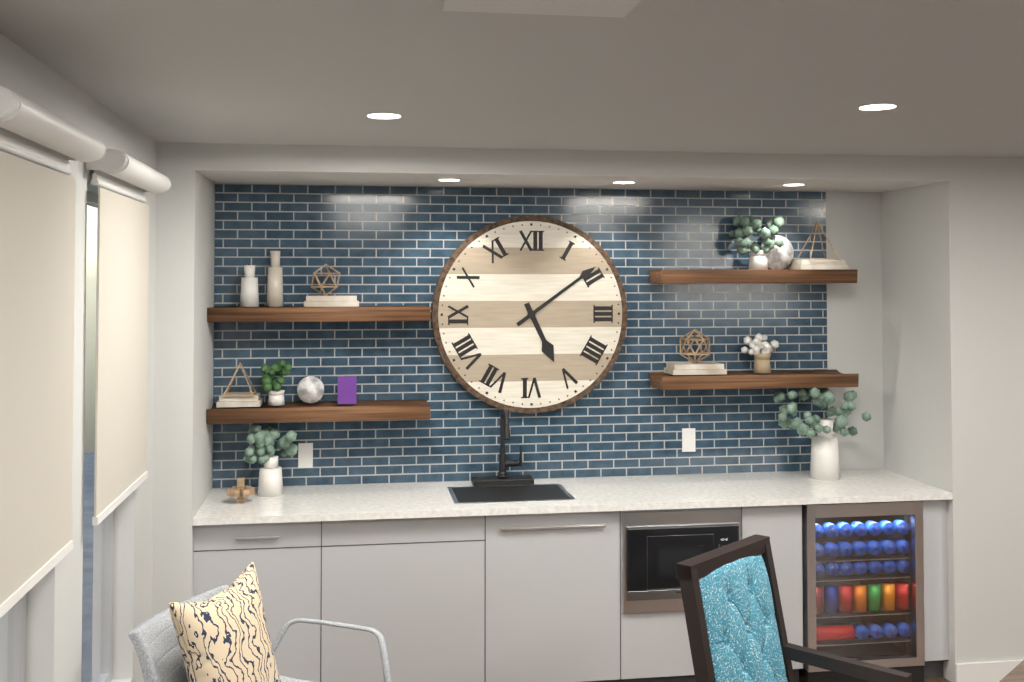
5:09
